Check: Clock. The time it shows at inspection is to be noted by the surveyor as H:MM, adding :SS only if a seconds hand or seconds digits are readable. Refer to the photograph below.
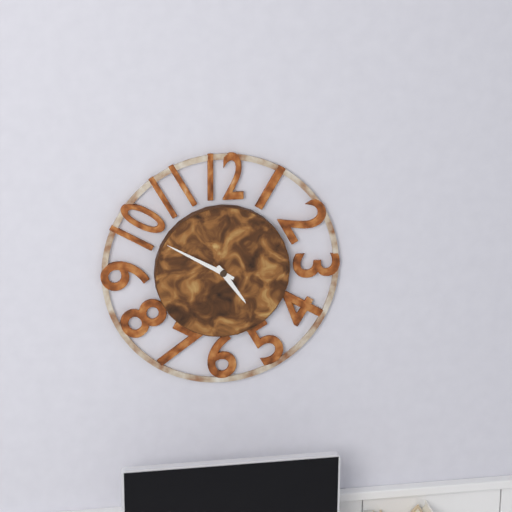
4:50
